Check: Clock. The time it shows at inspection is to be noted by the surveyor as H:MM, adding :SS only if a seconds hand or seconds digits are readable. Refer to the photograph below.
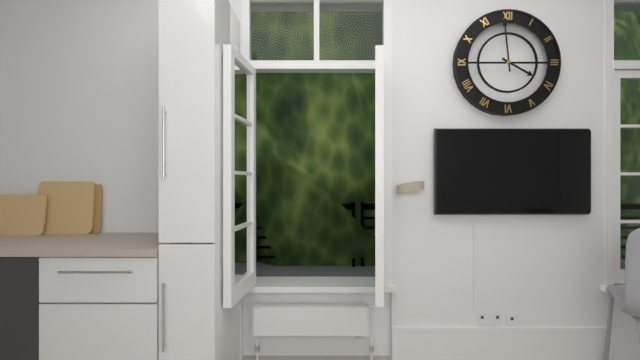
3:59
